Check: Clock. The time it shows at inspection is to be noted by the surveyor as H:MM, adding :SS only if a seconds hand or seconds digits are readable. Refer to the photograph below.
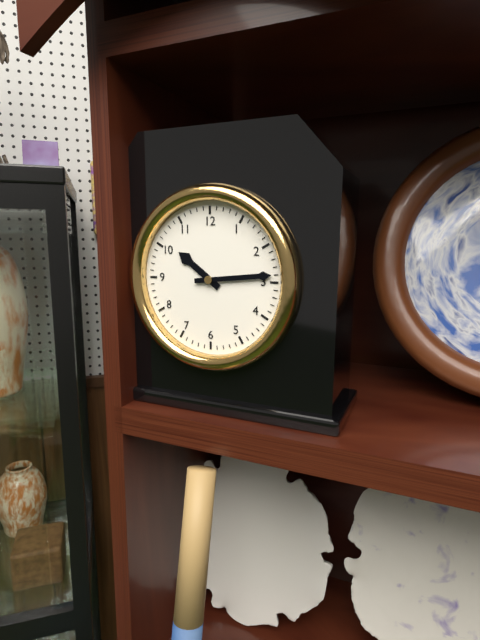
10:14
